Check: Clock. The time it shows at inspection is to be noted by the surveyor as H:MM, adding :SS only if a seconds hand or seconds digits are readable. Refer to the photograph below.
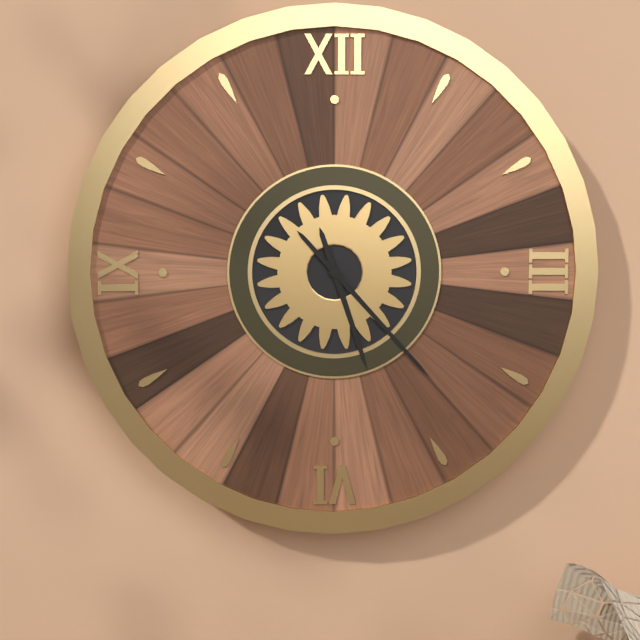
5:23
